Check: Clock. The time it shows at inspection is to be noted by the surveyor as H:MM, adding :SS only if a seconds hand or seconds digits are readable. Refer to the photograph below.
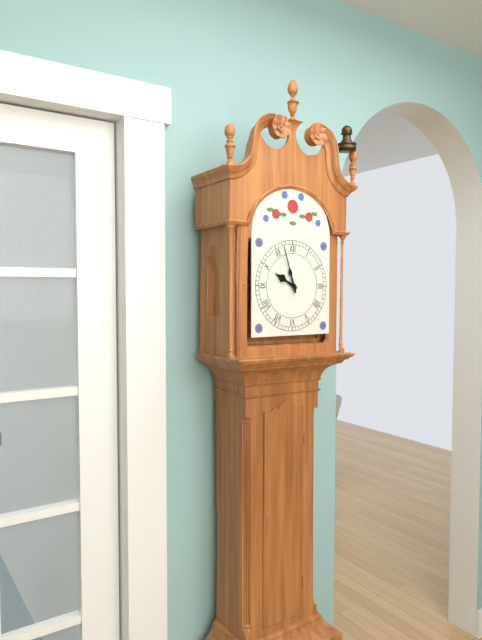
9:57
